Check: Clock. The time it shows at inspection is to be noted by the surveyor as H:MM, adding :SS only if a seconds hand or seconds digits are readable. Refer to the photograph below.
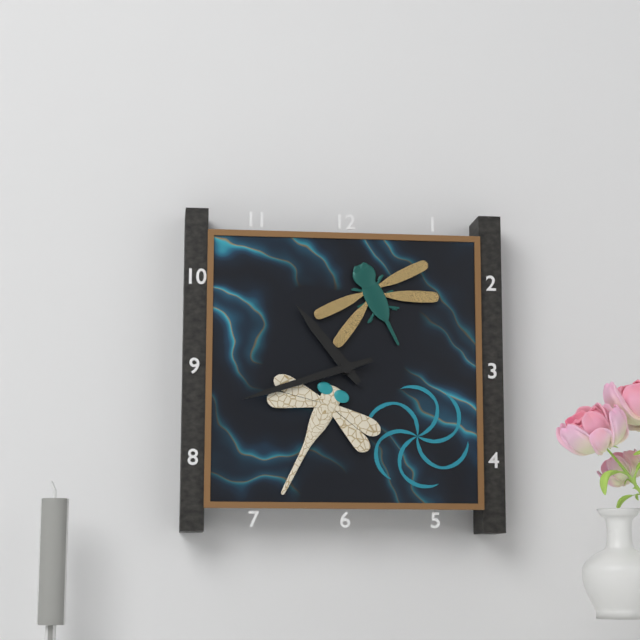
10:42
